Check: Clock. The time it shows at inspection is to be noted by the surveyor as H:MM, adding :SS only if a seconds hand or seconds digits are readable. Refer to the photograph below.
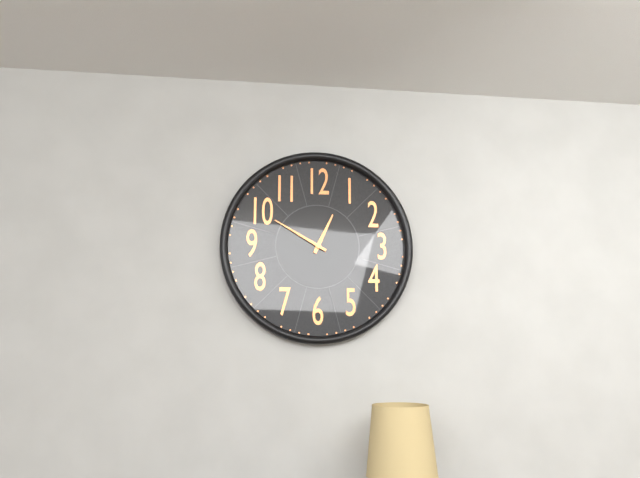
12:50
